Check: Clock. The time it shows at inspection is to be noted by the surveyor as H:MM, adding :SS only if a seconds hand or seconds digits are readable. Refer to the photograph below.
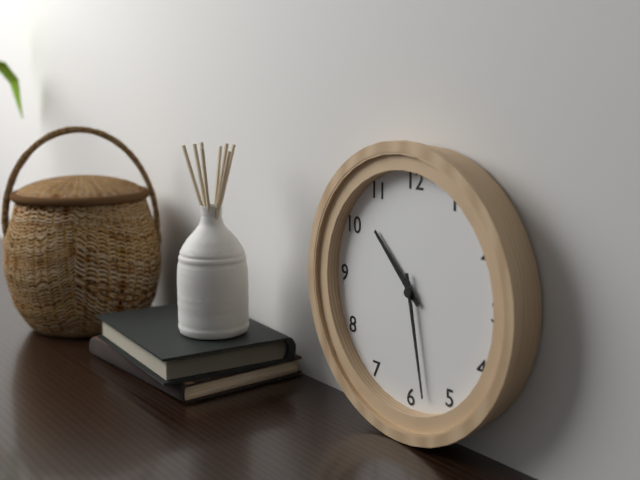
10:28
